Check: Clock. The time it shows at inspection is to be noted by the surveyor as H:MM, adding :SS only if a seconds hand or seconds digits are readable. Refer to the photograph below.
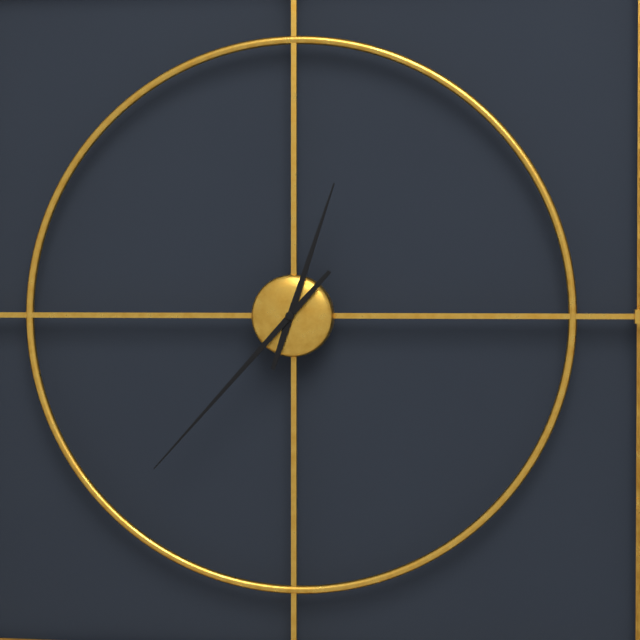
12:37
